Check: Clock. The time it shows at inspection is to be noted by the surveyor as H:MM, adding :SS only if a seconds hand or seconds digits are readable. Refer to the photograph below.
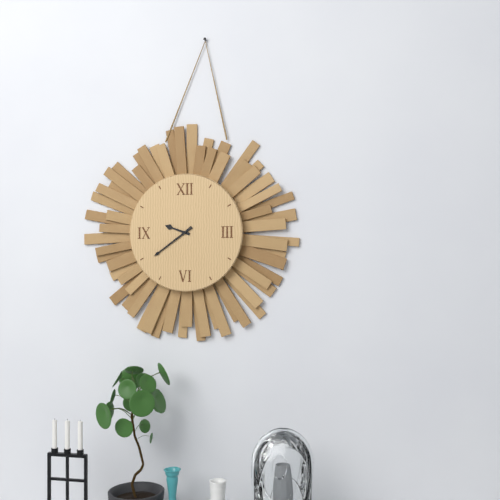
9:39
